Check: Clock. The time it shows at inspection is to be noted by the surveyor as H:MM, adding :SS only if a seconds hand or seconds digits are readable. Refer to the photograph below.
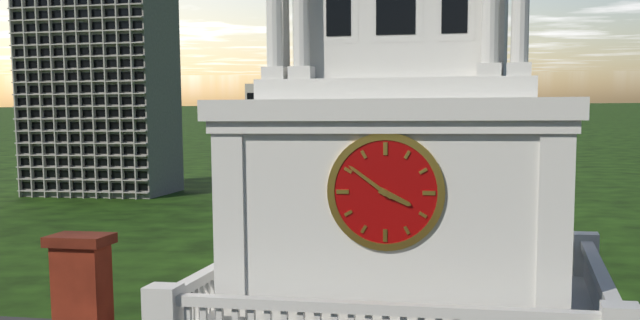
3:51
